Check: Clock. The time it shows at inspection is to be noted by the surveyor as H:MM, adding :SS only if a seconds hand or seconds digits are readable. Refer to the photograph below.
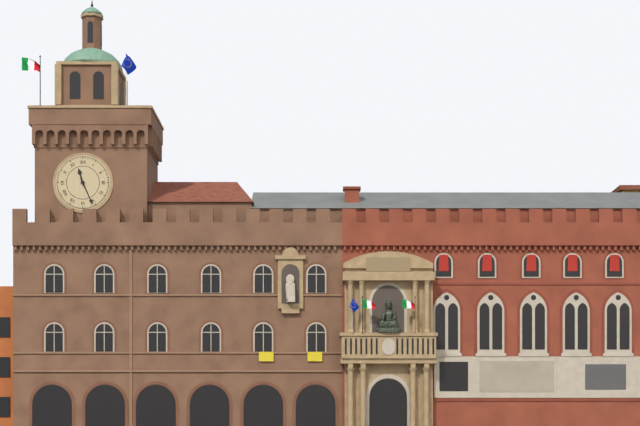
11:26
